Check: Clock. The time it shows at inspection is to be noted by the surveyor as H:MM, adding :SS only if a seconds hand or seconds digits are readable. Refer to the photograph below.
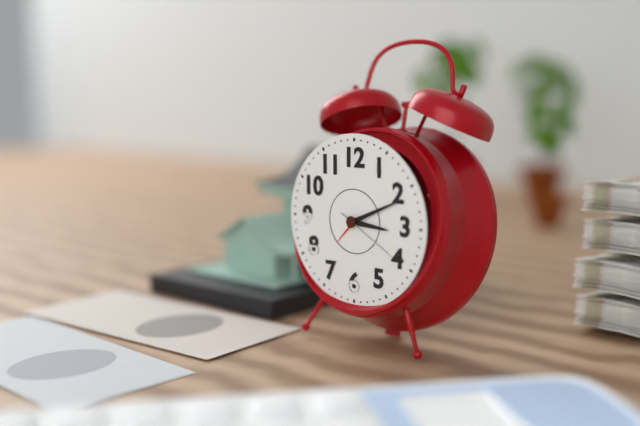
3:11:20
